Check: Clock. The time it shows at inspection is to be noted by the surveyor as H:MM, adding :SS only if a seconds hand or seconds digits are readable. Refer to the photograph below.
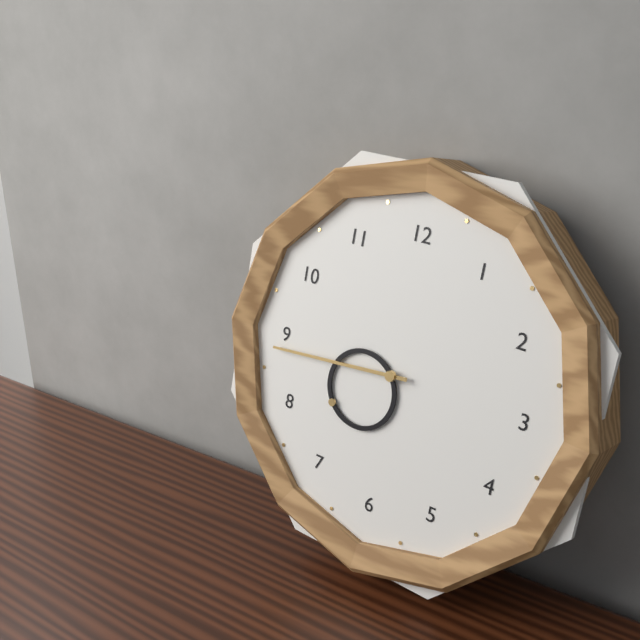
7:44
